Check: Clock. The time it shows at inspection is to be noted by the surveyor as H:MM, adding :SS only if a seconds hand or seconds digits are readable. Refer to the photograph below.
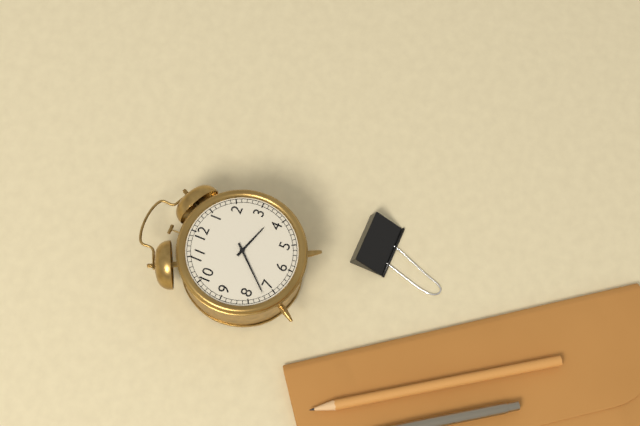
3:37
